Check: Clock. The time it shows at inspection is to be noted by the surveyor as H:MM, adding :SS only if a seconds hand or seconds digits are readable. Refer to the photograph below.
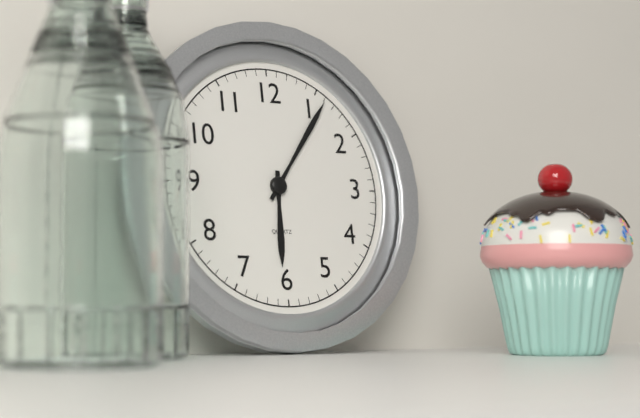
6:06
